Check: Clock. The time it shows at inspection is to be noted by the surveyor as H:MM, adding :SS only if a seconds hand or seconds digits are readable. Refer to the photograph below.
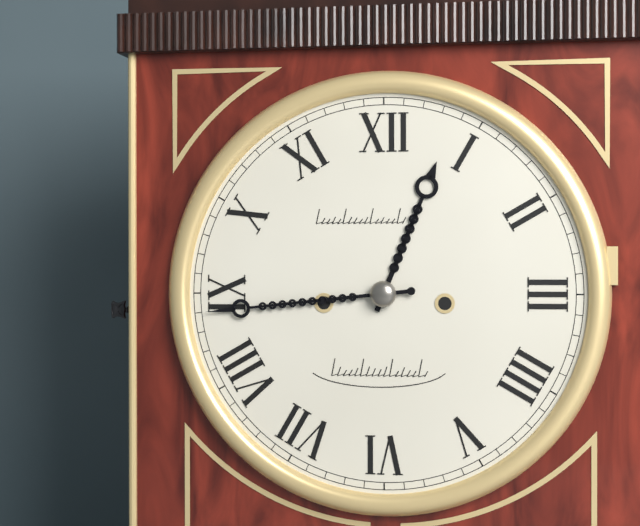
12:44
